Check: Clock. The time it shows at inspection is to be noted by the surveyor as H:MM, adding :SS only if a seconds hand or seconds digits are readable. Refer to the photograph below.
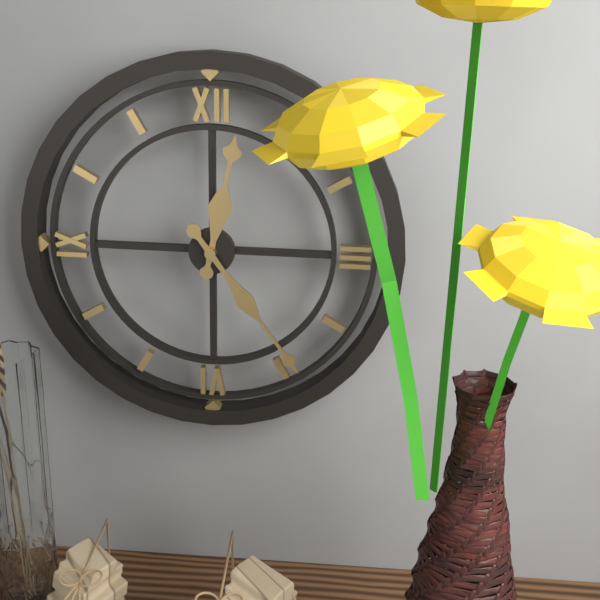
12:24
